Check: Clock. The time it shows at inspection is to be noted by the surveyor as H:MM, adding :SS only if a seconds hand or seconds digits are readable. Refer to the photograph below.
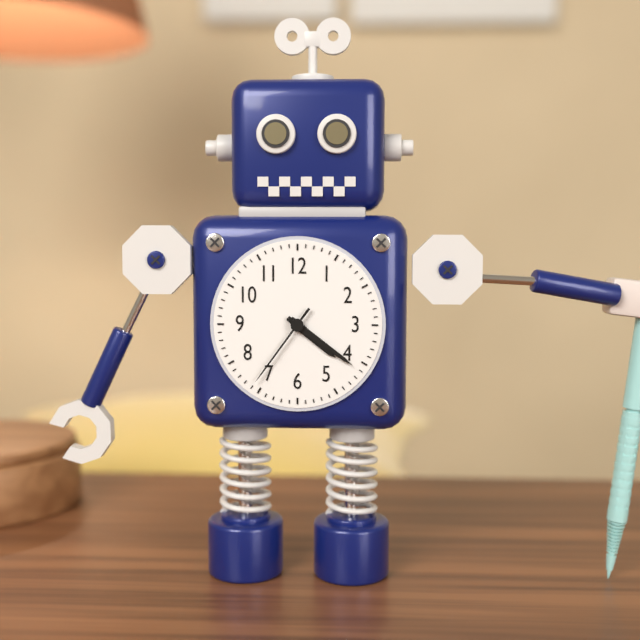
4:21:36
